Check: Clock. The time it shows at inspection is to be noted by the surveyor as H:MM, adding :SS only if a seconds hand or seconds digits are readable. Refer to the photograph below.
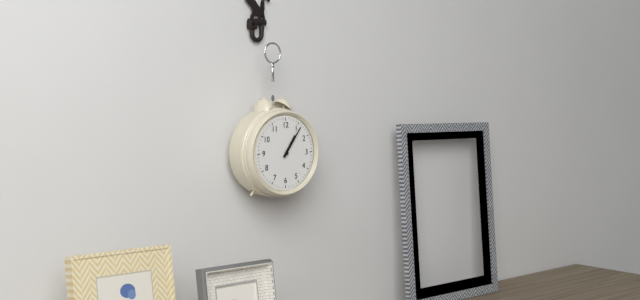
1:06
